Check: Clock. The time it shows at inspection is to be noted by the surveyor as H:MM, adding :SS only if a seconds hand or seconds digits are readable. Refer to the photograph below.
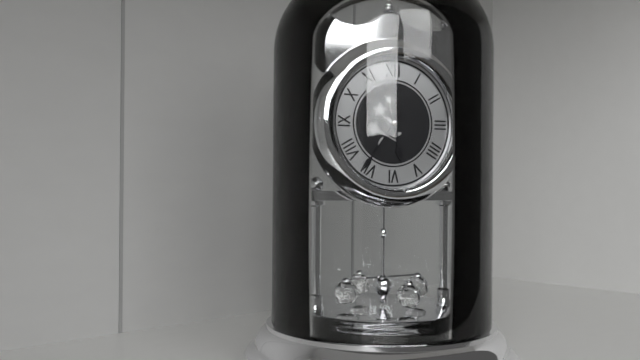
5:36
